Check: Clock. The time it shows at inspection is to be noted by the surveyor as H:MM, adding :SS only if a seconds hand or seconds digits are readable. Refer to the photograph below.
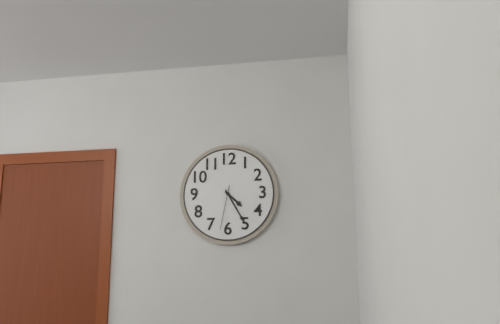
4:25
